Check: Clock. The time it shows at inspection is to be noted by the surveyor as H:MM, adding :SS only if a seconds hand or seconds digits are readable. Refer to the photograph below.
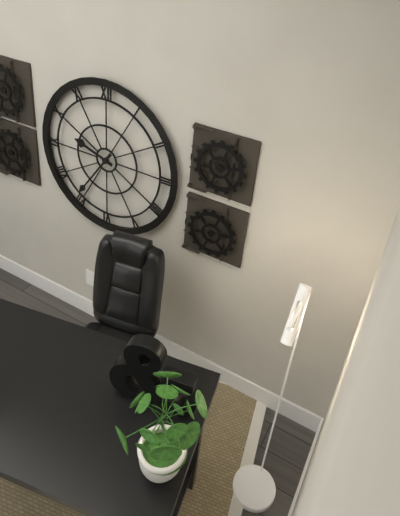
9:36
